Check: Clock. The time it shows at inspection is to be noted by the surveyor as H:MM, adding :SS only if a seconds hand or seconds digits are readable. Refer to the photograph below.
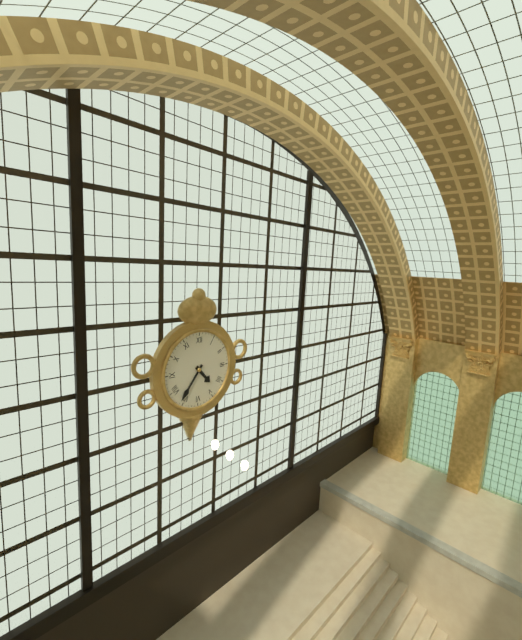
4:36
